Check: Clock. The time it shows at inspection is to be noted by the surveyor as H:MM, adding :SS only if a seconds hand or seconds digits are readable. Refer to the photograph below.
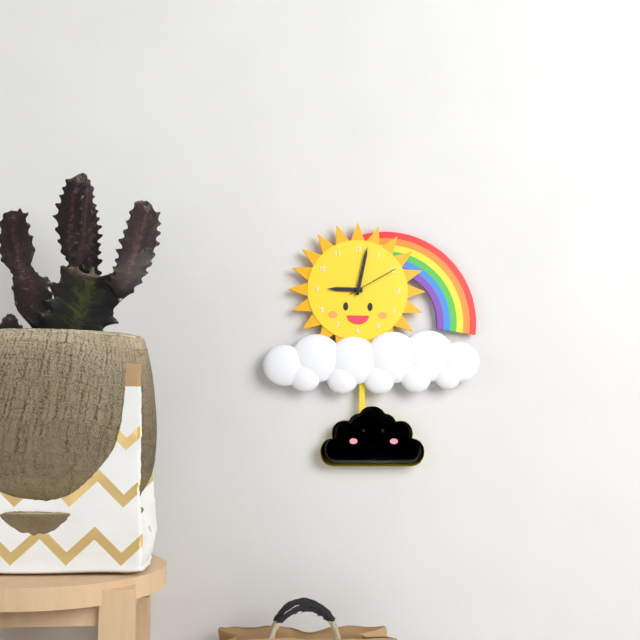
9:02:10
